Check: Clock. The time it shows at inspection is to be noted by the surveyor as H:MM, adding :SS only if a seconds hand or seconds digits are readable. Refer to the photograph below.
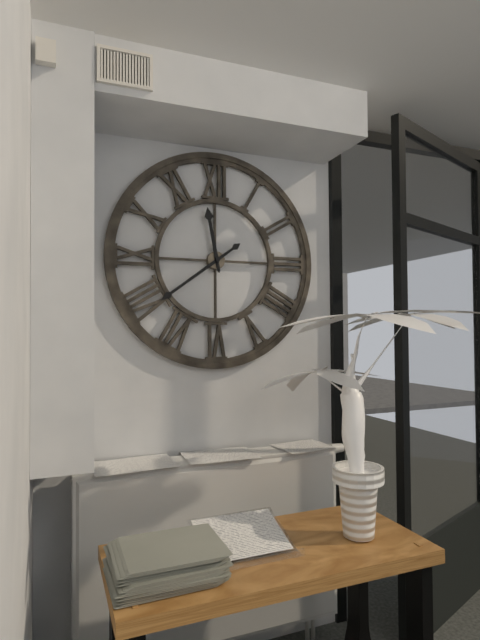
11:39
